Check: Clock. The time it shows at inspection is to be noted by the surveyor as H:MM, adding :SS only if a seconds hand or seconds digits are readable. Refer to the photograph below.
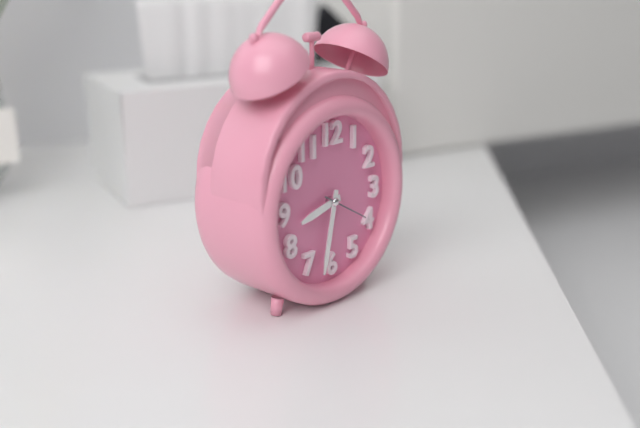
8:32
